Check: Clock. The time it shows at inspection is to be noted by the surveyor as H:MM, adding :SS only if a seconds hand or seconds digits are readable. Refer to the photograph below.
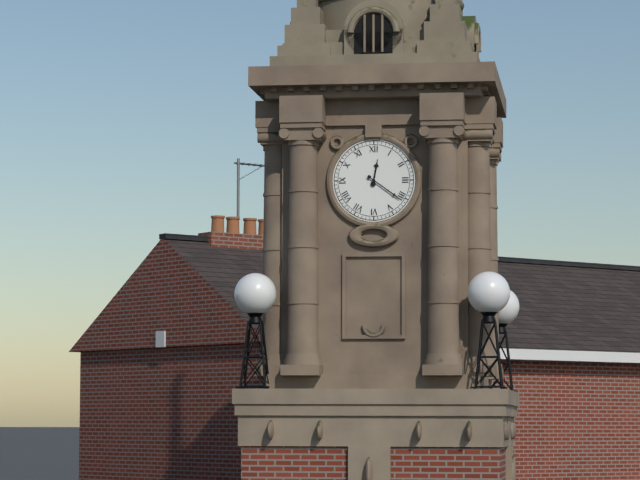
12:21
